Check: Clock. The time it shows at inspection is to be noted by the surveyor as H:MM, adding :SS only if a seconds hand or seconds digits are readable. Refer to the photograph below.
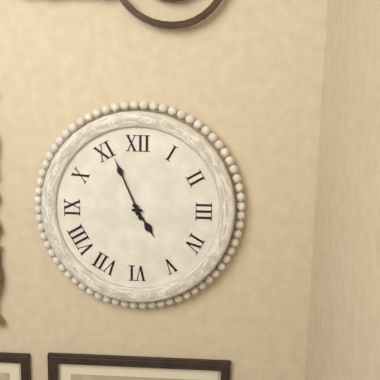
4:56
